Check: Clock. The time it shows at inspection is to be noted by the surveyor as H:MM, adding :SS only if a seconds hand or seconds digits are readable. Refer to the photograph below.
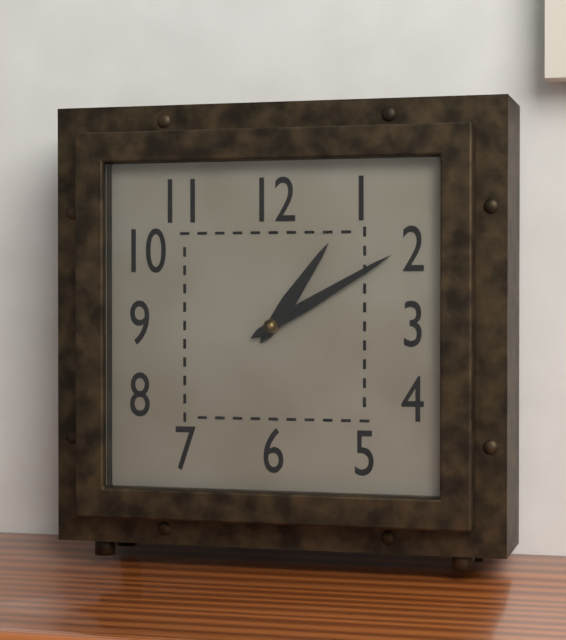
1:10
